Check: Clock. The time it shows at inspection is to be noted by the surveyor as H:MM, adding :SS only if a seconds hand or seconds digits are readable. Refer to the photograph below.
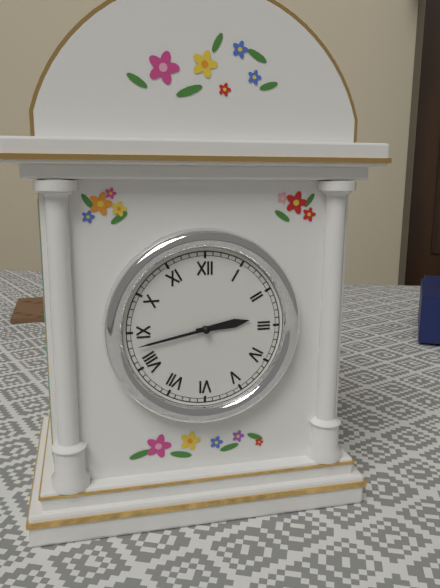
2:43
